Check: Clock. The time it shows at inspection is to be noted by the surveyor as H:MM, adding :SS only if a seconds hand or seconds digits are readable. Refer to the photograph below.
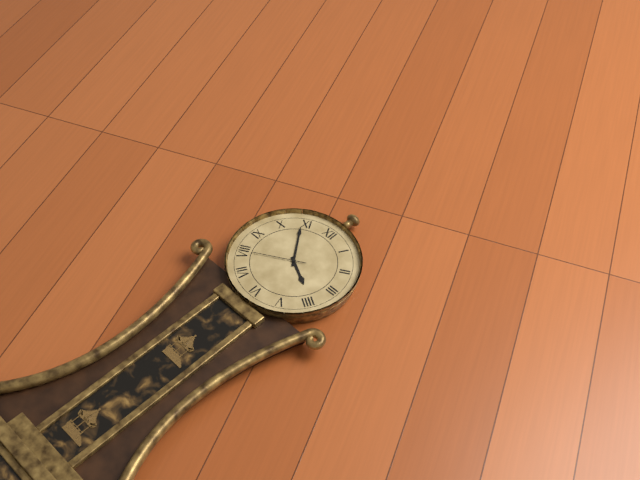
3:54:40
